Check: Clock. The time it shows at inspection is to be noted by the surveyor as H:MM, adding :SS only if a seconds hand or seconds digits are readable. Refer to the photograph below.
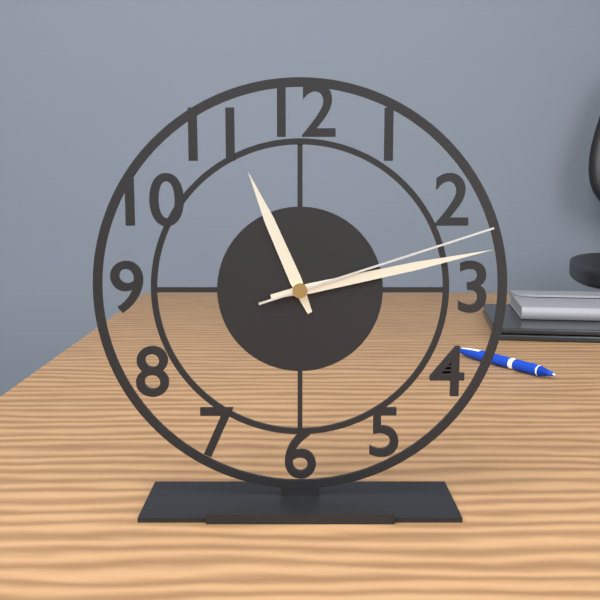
11:13:12
